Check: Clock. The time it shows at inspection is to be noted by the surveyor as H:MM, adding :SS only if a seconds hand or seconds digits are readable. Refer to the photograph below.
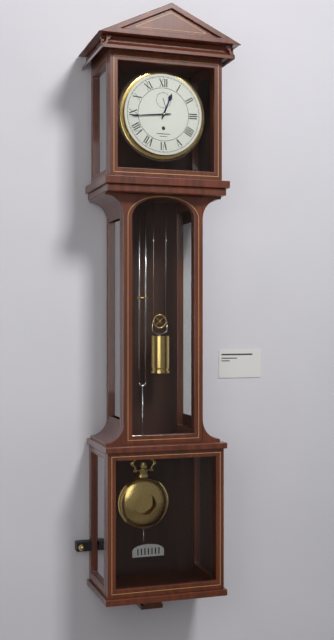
12:44
